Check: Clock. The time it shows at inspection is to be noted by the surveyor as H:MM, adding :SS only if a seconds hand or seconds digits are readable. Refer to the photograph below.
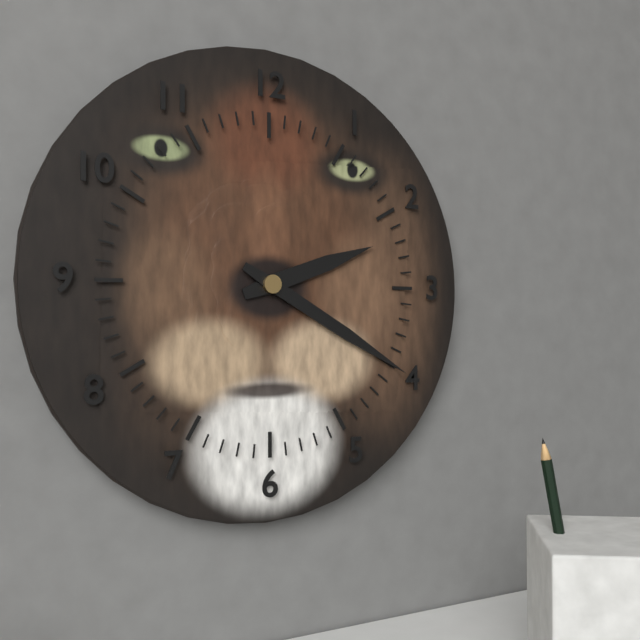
2:20
